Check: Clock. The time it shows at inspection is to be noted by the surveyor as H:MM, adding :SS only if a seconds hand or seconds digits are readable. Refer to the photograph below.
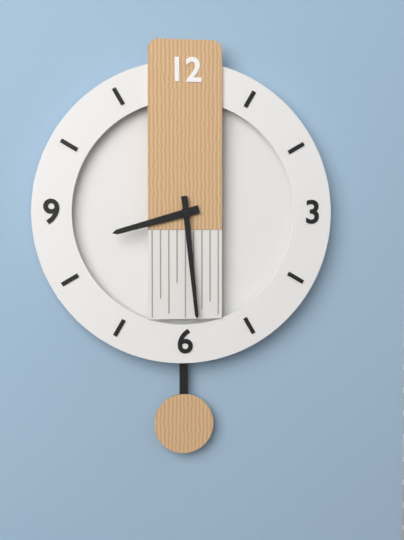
8:29
